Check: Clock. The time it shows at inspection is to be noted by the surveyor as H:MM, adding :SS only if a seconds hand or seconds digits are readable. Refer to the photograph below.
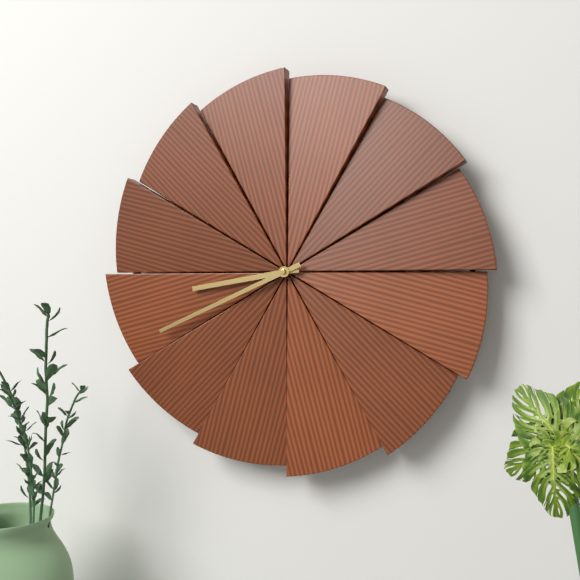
8:41
